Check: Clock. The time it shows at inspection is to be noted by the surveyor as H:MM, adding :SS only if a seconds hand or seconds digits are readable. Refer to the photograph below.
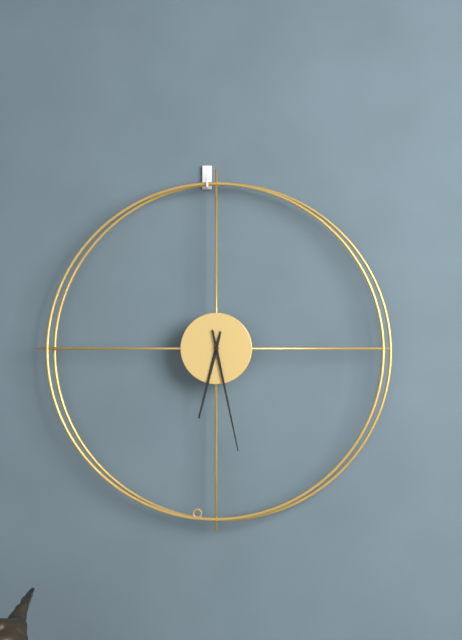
6:28
